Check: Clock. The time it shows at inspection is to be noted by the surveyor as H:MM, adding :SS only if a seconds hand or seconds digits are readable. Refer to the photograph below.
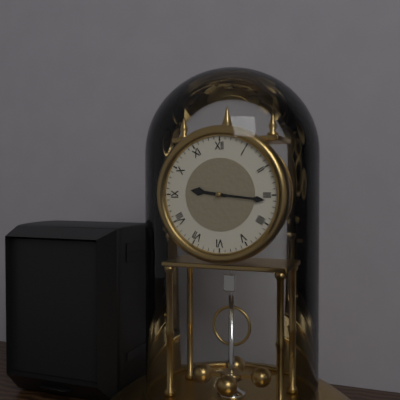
9:16
